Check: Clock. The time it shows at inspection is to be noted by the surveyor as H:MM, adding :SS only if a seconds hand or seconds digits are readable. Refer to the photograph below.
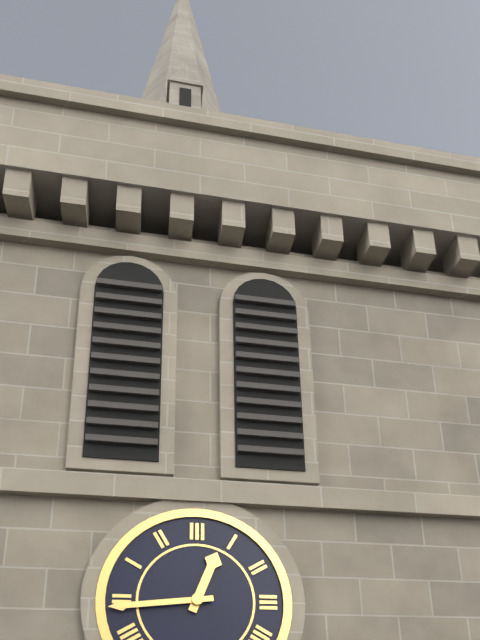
12:44
